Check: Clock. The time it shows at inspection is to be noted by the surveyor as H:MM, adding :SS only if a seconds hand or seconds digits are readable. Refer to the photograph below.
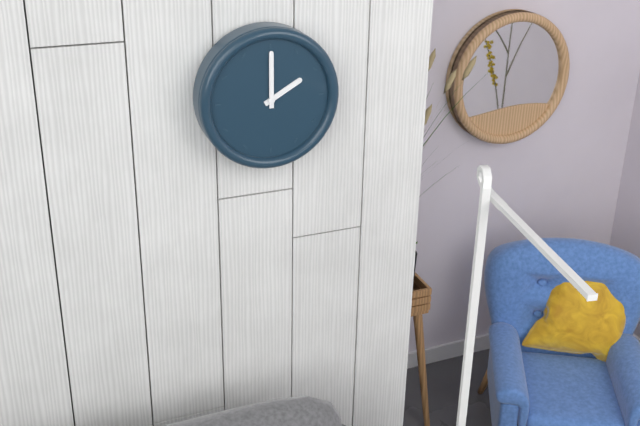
2:00
